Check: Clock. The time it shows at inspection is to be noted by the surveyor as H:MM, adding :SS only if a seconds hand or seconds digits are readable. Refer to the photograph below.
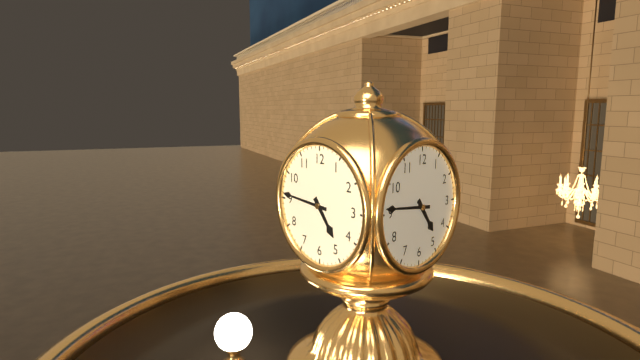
4:46
